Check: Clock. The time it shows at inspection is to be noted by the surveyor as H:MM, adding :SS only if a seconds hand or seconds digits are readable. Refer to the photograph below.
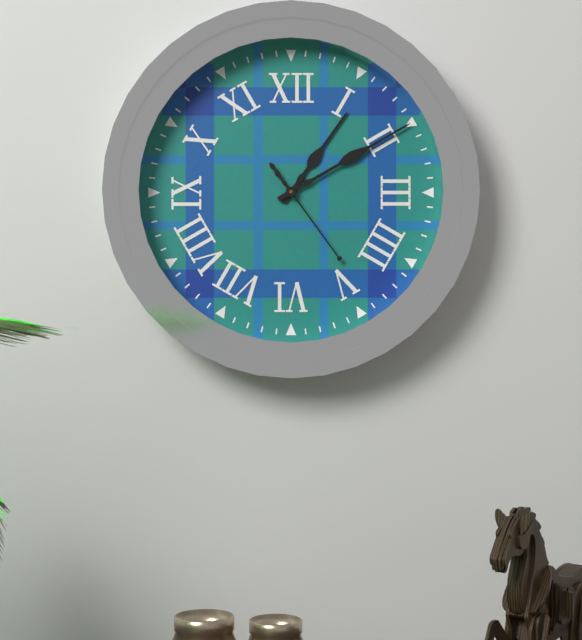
1:10:24
